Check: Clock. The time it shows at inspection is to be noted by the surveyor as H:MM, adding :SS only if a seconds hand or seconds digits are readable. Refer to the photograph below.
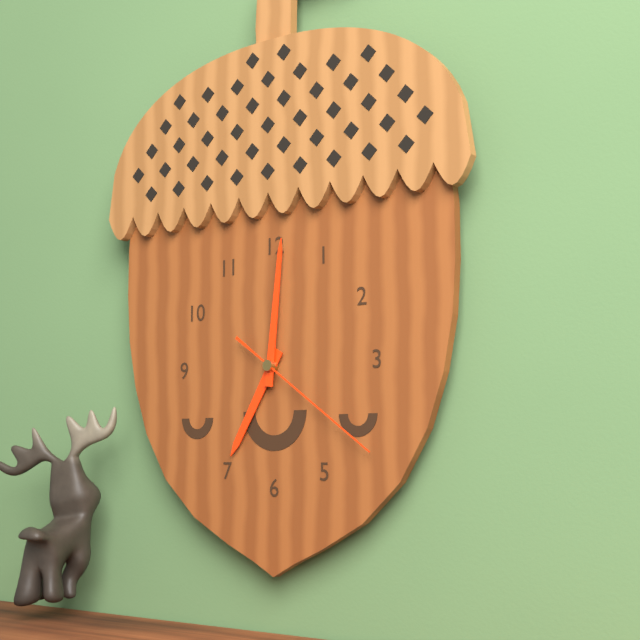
7:01:21
